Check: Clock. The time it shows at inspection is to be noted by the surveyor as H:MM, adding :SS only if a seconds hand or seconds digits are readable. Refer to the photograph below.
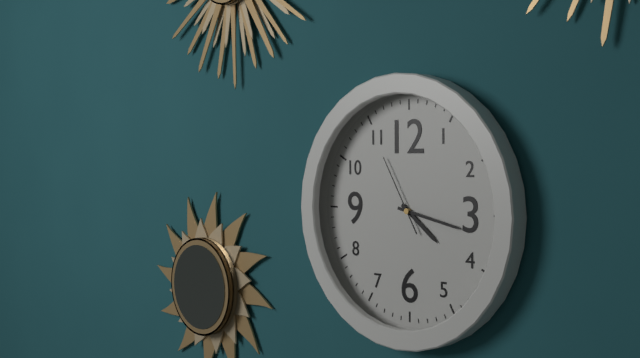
4:17:55
